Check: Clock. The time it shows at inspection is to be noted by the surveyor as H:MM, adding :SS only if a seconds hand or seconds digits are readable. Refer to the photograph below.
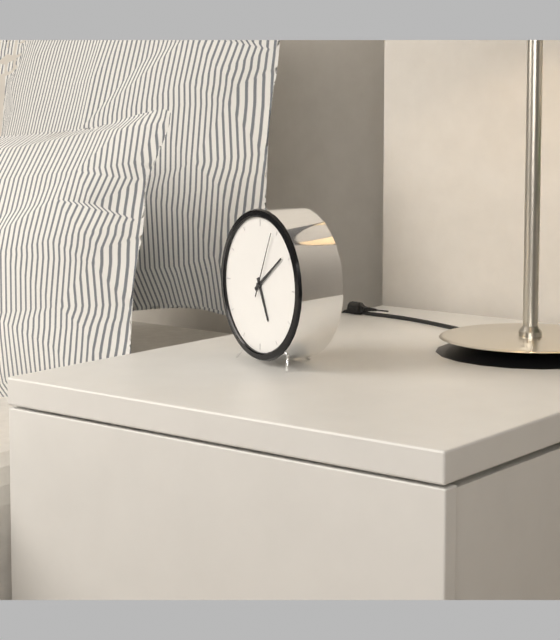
5:09:04
